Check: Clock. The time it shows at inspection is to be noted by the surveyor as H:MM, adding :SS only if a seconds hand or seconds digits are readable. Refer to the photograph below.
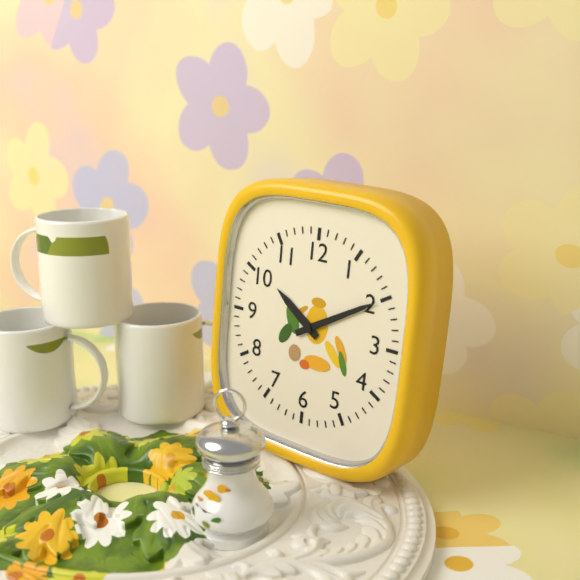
10:10
